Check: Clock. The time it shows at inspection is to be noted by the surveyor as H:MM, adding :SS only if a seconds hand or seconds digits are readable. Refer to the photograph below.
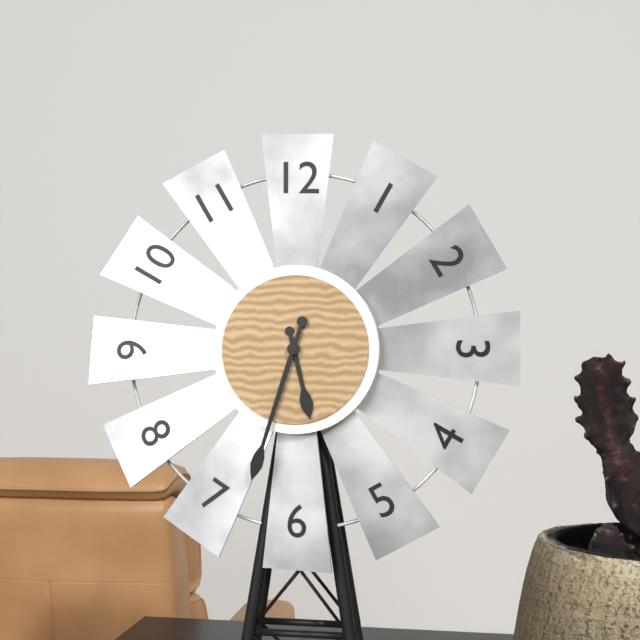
5:33
